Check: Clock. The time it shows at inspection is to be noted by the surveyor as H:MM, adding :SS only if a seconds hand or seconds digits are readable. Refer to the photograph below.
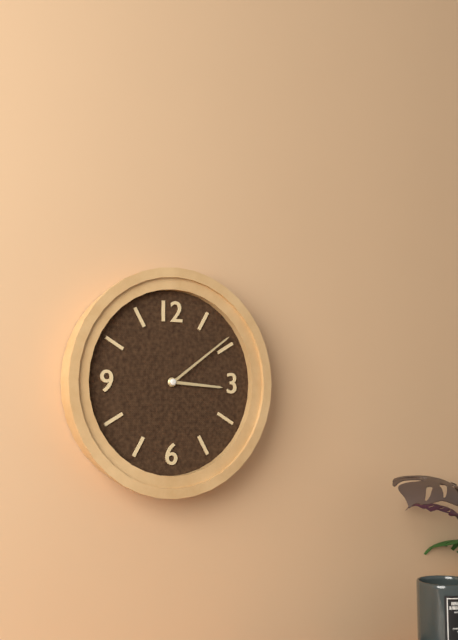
3:09
